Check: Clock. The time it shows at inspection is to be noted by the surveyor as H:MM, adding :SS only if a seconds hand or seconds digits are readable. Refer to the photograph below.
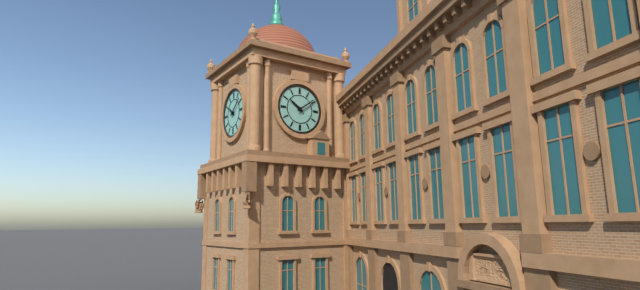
10:09
